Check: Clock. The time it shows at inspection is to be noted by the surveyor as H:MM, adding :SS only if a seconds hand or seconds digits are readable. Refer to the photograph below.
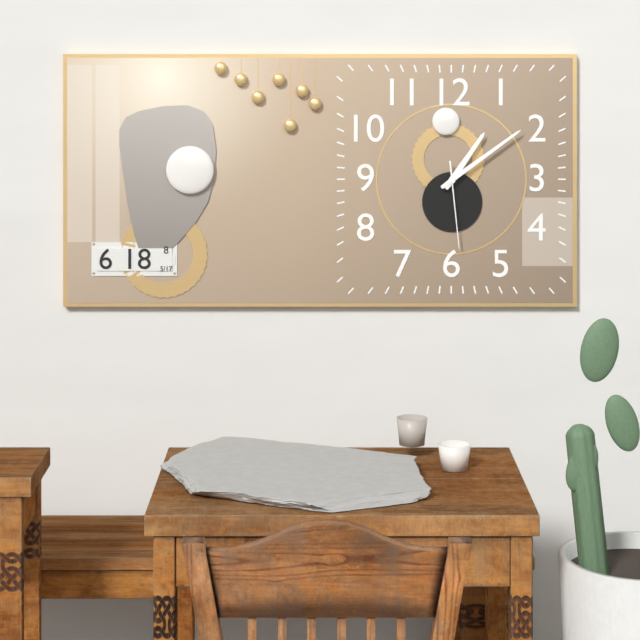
1:09:29
